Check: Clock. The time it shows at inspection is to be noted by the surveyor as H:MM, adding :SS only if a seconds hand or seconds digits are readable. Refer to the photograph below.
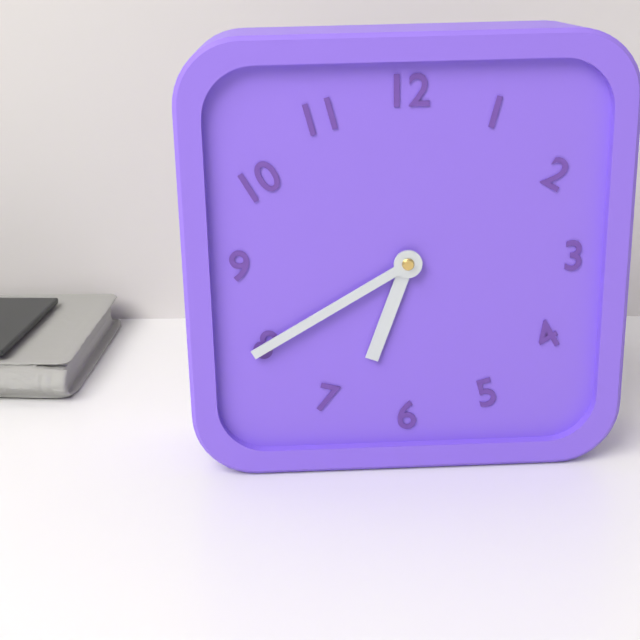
6:40
